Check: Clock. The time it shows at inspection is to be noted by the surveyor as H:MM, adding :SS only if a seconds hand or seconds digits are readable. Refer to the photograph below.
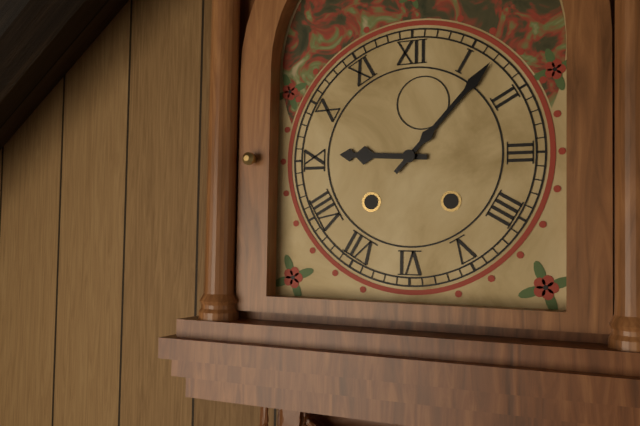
9:07
